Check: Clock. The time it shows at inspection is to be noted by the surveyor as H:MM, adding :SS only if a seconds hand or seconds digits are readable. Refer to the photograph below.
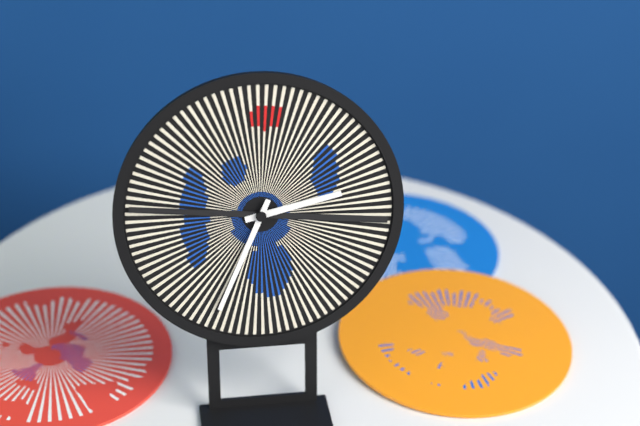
2:34
